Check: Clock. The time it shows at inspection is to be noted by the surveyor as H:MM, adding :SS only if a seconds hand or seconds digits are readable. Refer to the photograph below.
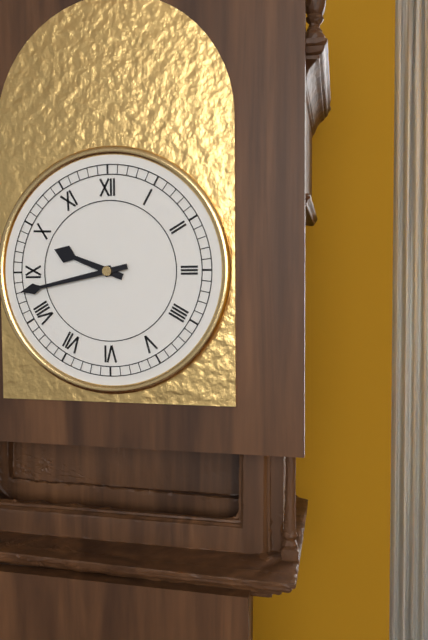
9:43
